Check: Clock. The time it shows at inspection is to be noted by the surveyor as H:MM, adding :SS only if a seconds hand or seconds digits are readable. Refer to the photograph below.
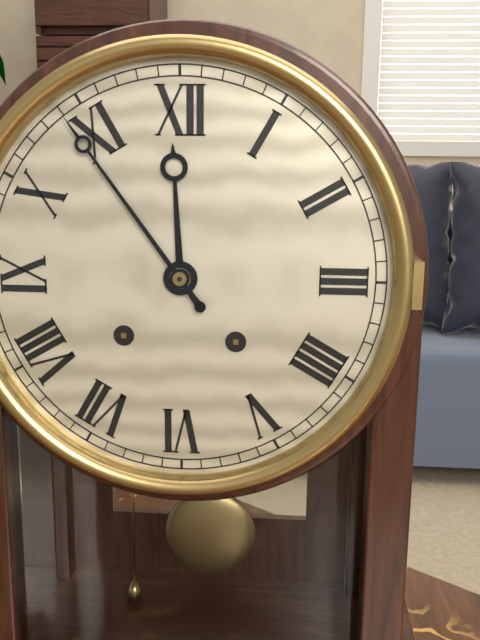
11:54
